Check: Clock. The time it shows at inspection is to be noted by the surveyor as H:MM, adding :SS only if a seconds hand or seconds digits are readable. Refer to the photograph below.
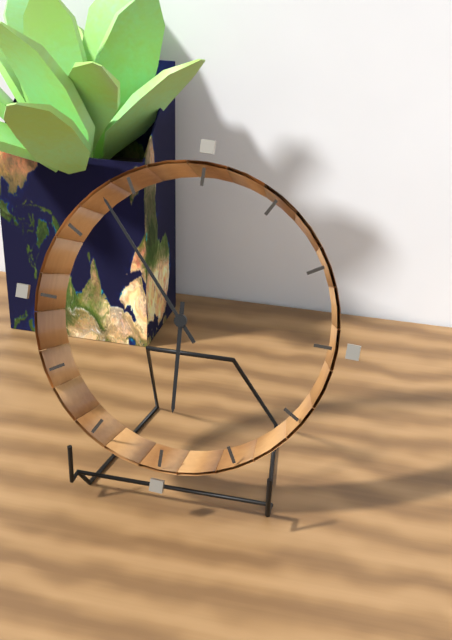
5:53
